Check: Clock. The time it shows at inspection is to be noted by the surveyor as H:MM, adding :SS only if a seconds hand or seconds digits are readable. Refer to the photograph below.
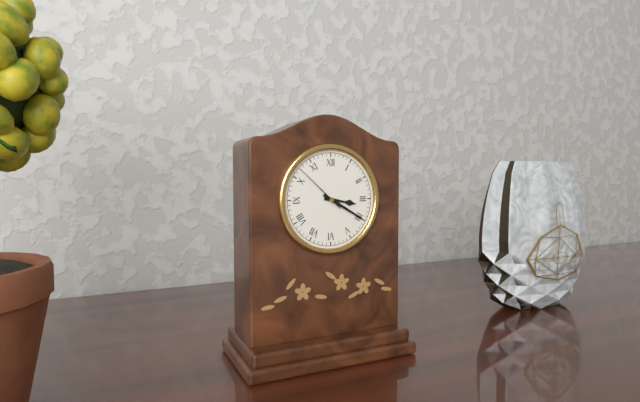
3:20:52
